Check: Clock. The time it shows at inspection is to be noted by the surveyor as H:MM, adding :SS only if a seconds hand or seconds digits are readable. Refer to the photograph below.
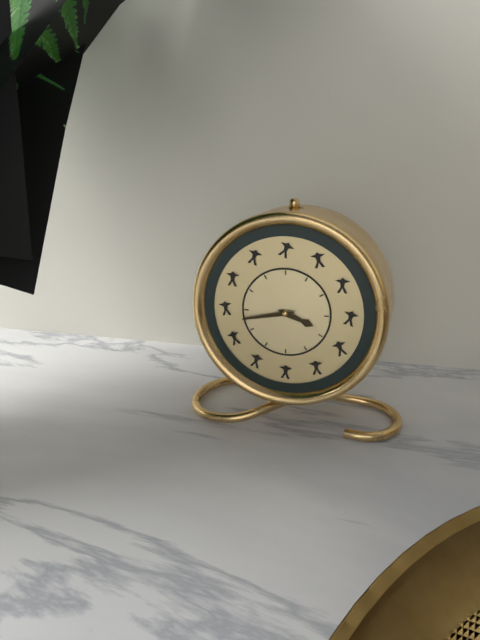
3:43
